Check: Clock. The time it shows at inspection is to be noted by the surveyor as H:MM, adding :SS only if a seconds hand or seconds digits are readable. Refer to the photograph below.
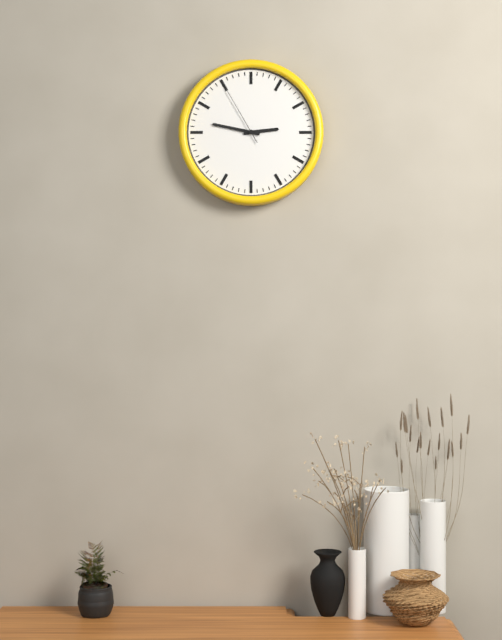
2:47:55
